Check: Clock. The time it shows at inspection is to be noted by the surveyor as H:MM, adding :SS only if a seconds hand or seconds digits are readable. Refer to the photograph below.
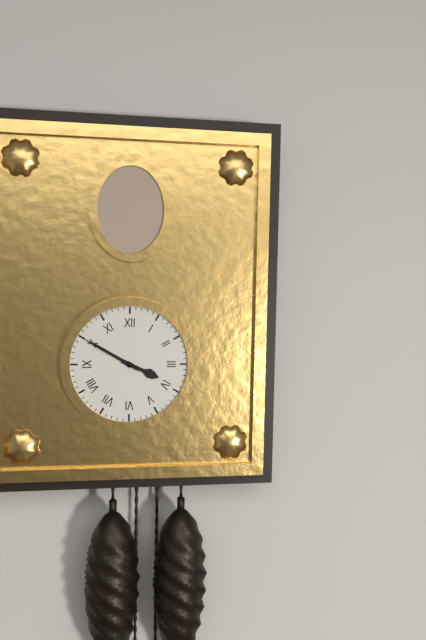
3:50
